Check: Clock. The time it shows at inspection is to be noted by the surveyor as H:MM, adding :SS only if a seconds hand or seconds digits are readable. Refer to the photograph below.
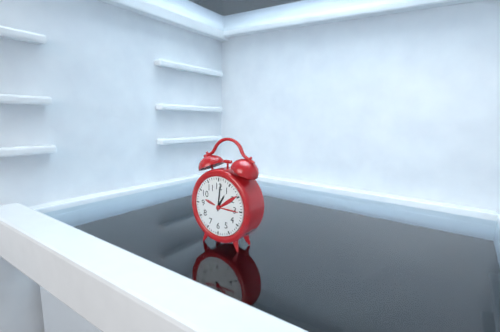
1:01
